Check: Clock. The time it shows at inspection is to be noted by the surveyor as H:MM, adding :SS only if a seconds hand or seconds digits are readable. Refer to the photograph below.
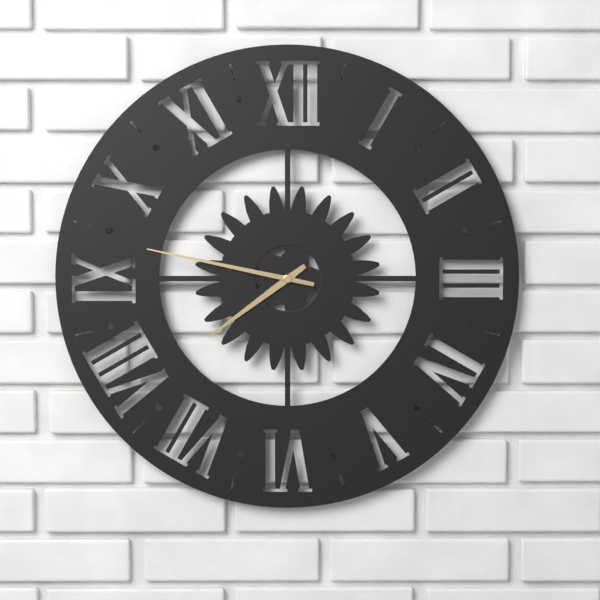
7:47
